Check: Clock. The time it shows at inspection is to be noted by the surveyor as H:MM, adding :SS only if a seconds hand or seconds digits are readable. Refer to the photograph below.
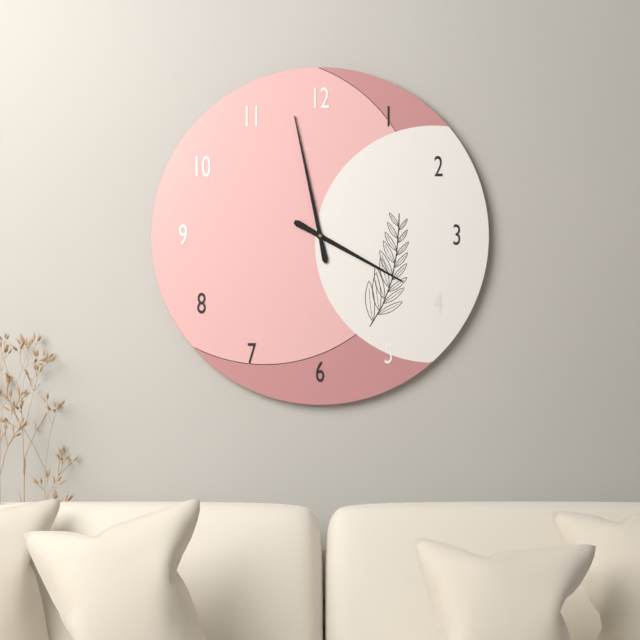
3:58
